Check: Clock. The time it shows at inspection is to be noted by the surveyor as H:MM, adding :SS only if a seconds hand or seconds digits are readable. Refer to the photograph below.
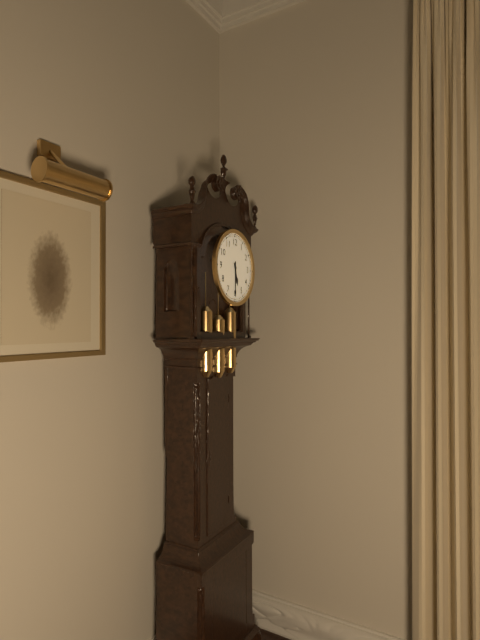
5:30
